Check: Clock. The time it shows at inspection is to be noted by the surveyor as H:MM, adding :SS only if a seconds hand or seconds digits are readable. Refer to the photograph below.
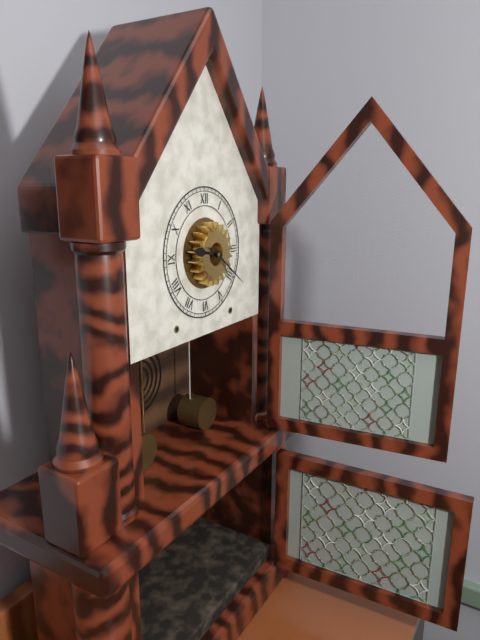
9:21
